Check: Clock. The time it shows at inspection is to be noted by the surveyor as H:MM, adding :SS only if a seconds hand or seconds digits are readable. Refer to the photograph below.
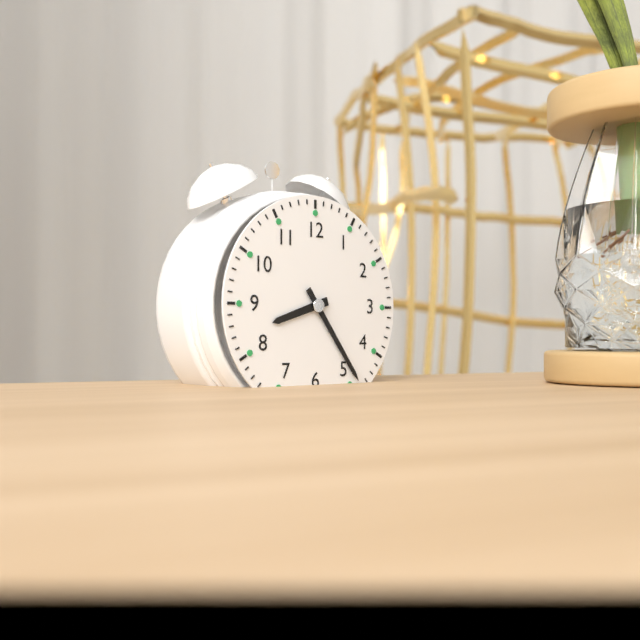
8:24
